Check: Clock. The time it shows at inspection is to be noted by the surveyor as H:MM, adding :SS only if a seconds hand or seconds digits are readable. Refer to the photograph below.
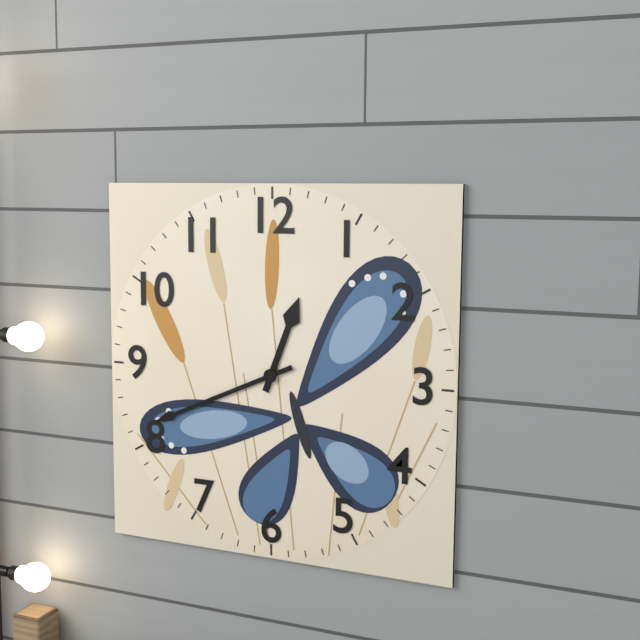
12:41
